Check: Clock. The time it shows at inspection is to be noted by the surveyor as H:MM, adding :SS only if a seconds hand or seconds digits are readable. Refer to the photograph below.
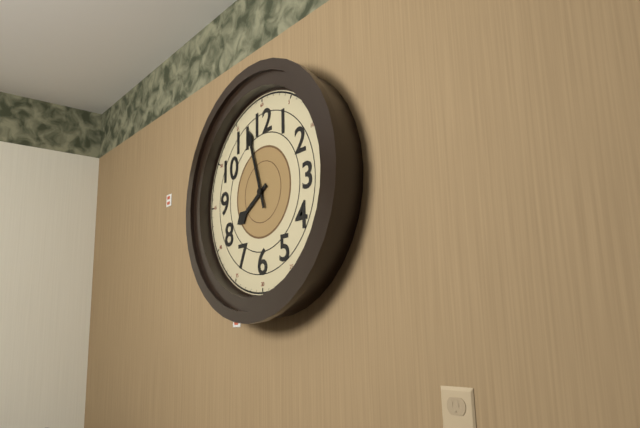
7:57
